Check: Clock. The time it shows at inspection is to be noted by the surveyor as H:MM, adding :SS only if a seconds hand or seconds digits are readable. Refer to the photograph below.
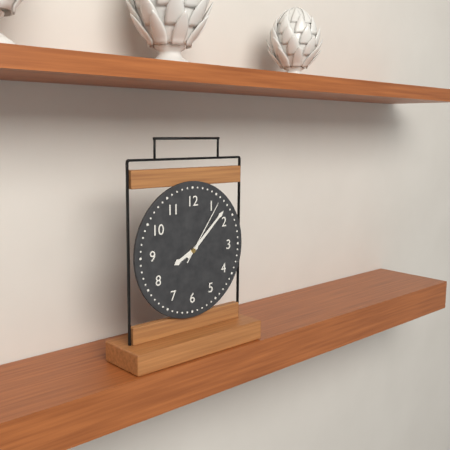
8:08:06
